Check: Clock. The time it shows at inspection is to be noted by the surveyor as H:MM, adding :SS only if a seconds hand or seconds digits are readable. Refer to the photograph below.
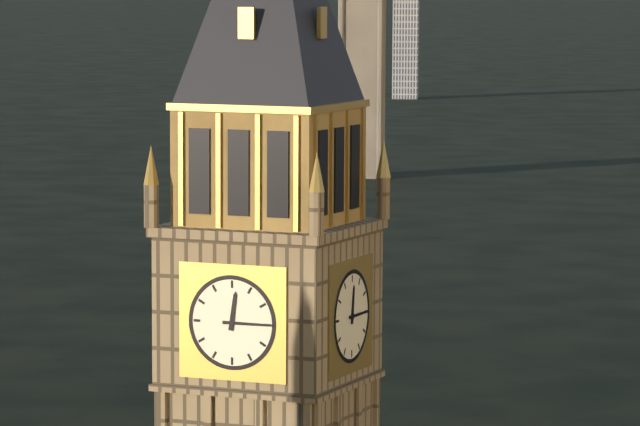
12:15
